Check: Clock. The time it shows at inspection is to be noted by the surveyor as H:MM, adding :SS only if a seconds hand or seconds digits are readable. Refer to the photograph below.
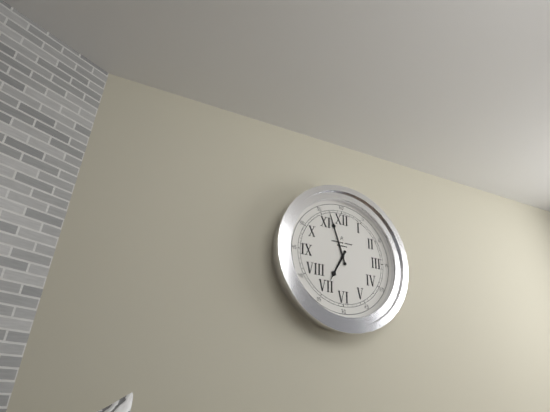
6:57
